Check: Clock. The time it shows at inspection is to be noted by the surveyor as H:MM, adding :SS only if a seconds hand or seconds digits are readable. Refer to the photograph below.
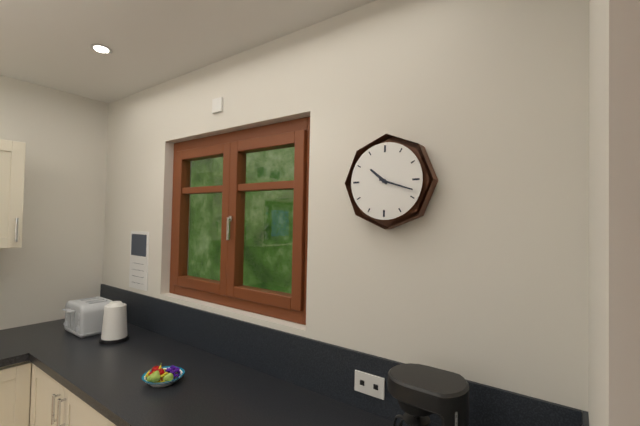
10:18
